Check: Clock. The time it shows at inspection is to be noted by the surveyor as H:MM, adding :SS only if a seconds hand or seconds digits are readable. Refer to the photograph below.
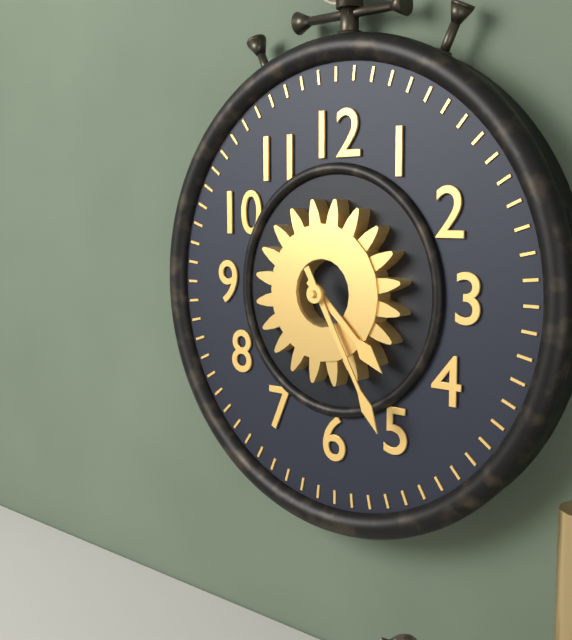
4:25
